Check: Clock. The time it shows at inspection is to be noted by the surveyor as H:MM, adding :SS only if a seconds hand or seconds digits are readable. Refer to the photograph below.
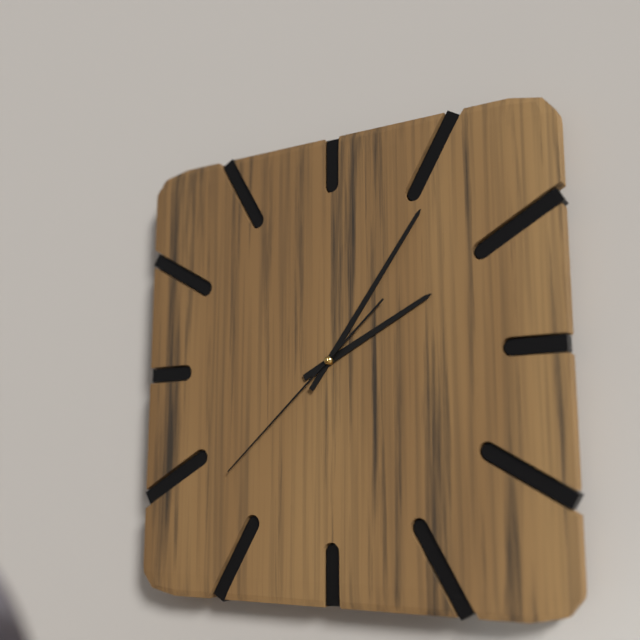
2:06:38
